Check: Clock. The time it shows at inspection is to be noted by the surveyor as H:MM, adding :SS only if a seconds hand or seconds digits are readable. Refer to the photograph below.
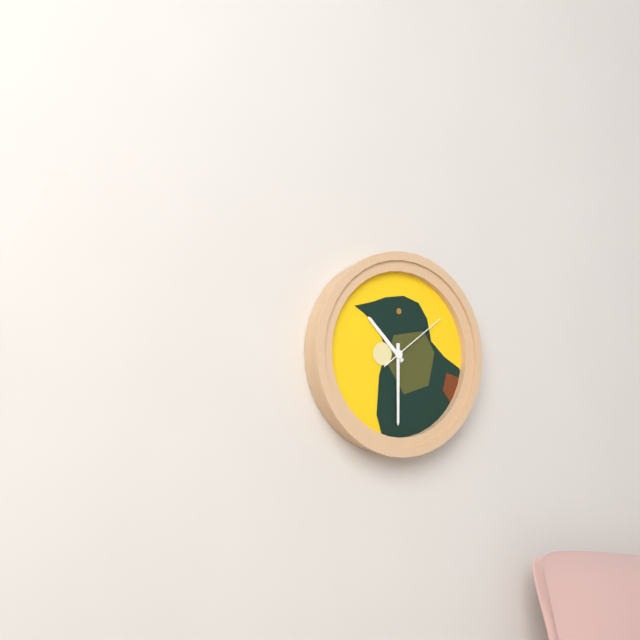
10:30:09
